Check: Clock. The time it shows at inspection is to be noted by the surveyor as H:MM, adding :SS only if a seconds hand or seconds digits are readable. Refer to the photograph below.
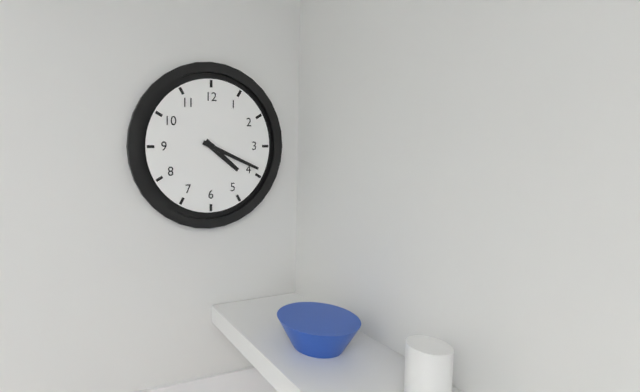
4:19
